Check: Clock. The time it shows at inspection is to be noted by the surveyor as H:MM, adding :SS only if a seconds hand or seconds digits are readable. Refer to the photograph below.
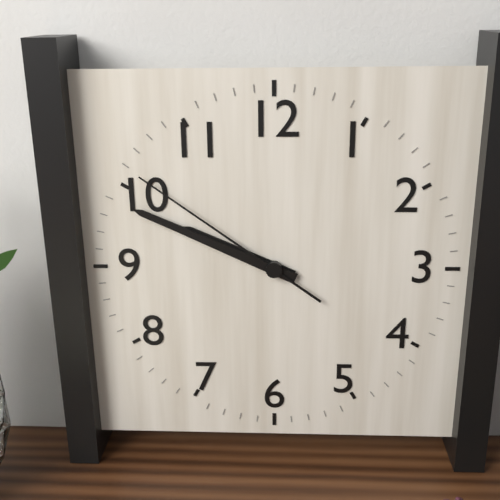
9:49:51
